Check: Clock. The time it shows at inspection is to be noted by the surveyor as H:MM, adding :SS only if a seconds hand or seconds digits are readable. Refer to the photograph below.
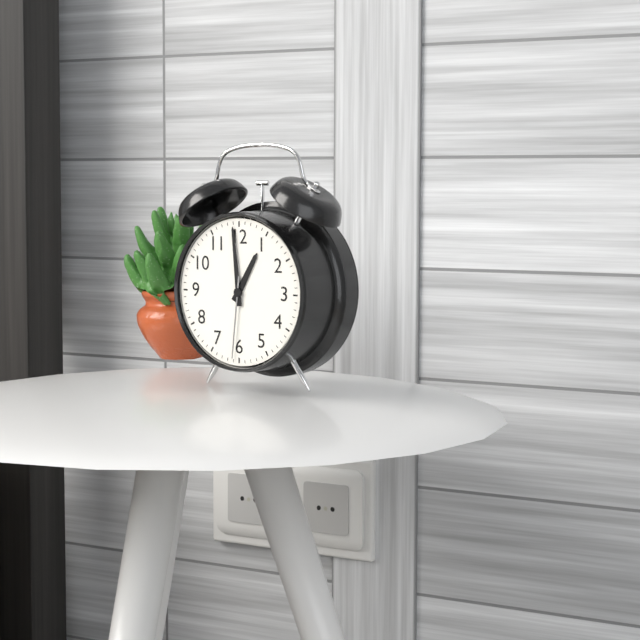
12:59:31
